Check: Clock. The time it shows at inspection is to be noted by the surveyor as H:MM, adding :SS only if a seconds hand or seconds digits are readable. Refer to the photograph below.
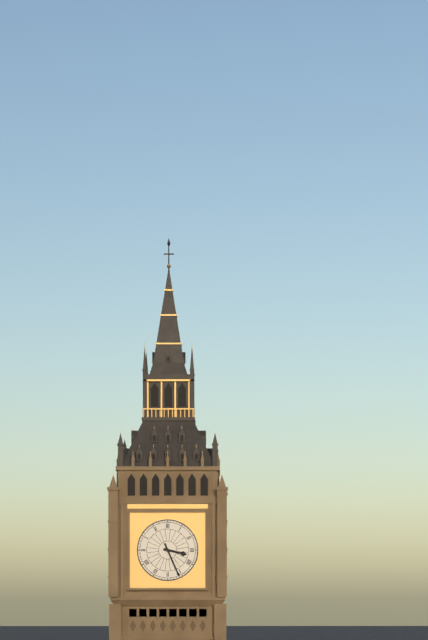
3:26
